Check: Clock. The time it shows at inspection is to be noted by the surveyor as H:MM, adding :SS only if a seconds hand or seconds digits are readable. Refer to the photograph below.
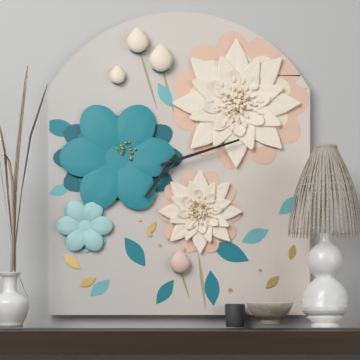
7:12
